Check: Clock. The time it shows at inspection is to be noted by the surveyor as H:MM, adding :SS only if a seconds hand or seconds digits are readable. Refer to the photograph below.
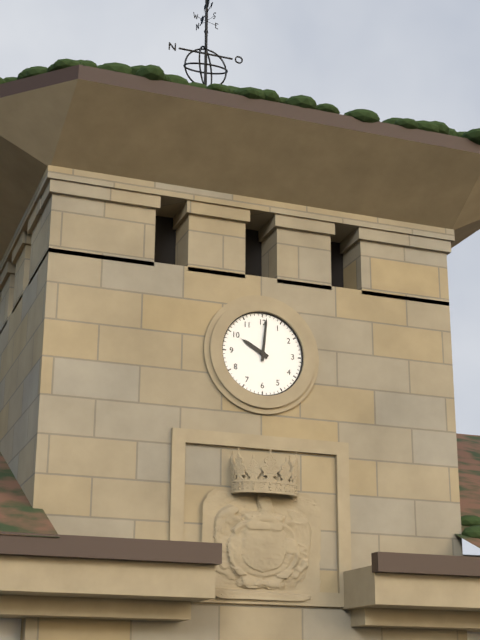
10:01
